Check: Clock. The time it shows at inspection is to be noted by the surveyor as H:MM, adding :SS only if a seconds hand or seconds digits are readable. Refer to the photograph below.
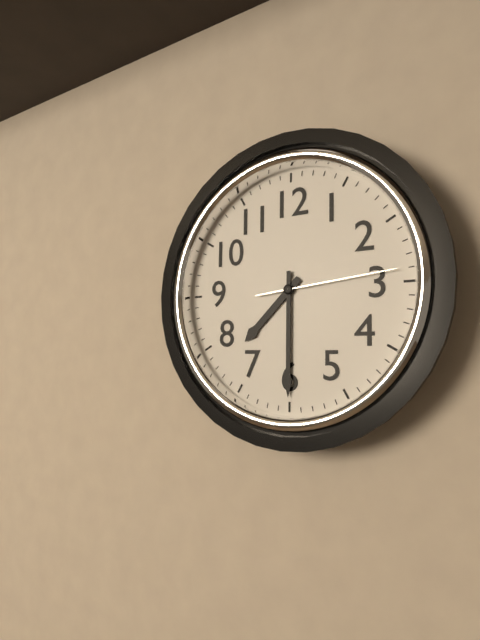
7:30:14
